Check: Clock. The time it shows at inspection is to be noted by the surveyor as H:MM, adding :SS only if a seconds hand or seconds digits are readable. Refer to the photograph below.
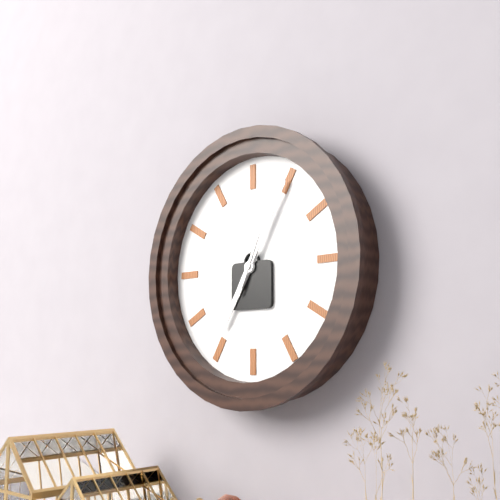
7:05:04
